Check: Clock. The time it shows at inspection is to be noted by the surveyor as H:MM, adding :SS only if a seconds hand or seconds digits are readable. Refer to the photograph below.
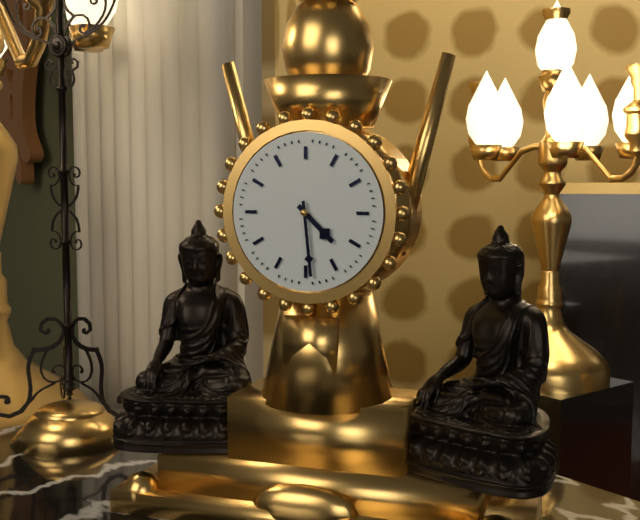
4:29
